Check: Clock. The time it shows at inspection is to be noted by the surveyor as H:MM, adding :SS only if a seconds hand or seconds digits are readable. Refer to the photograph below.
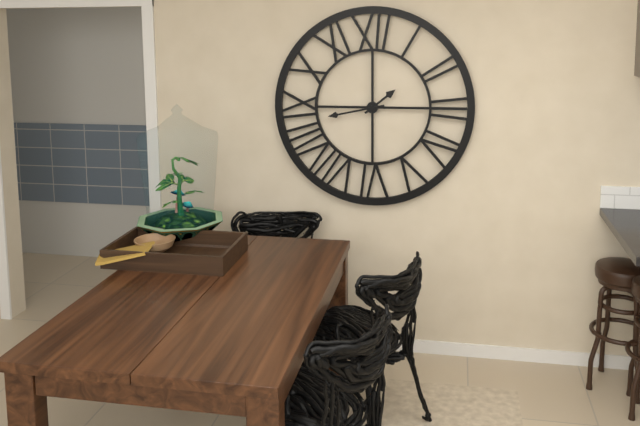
1:43
